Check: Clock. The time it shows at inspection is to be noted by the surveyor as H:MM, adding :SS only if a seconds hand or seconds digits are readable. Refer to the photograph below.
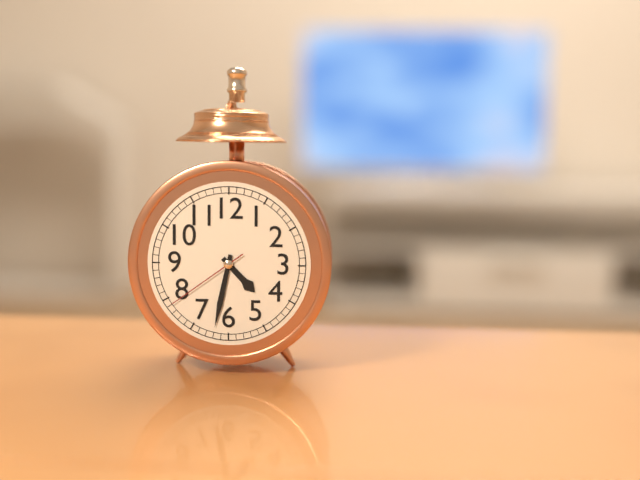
4:32:39
